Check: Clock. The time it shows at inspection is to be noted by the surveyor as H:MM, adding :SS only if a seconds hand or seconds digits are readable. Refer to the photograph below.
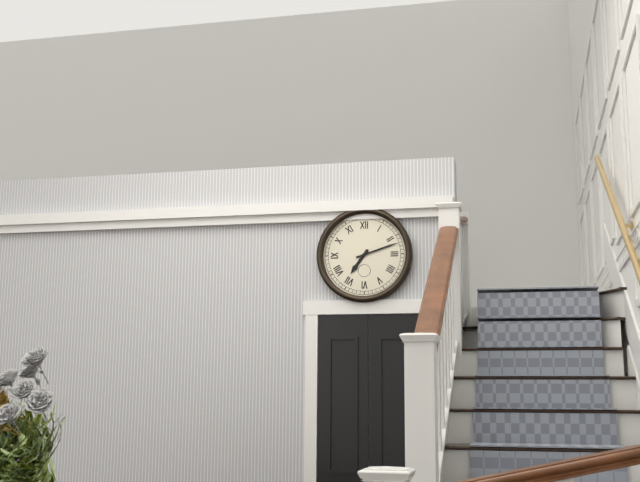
7:12
